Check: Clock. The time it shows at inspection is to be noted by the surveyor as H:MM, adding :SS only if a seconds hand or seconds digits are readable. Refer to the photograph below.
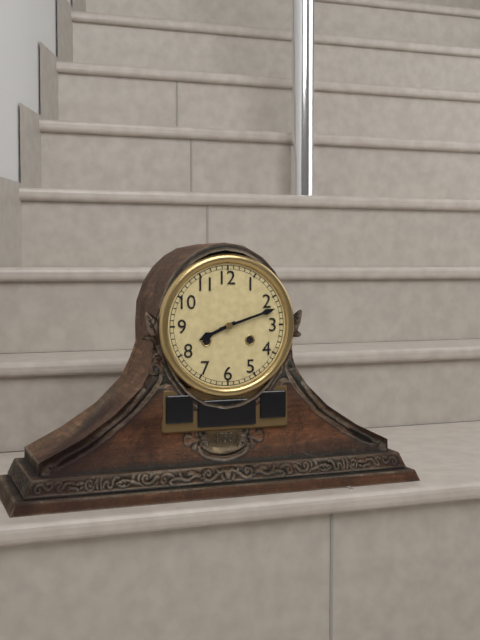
8:12
